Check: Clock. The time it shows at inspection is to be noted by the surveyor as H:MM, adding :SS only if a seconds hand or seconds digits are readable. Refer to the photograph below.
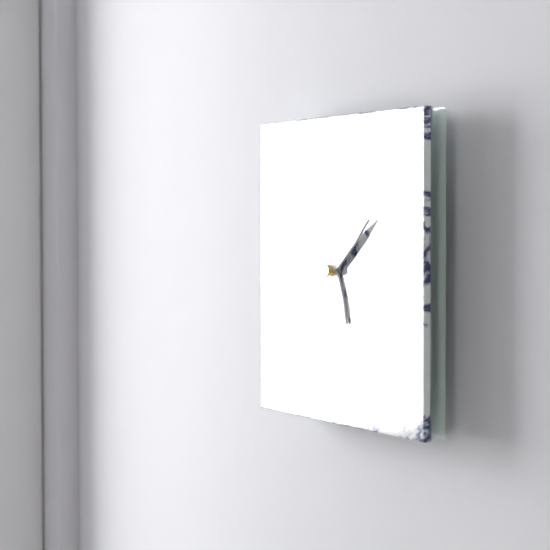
5:09
